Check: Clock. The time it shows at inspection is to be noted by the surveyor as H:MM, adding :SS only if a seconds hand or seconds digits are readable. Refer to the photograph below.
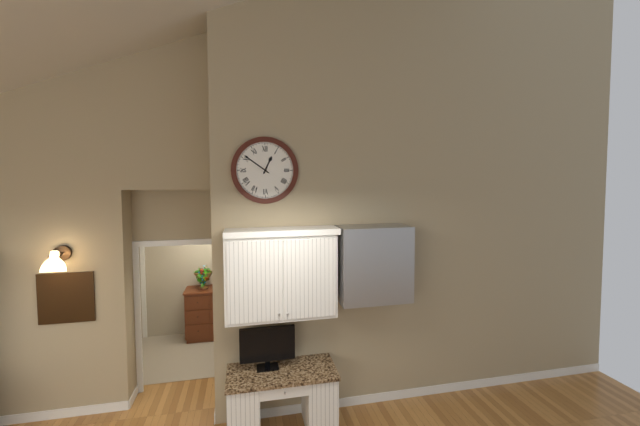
12:51
